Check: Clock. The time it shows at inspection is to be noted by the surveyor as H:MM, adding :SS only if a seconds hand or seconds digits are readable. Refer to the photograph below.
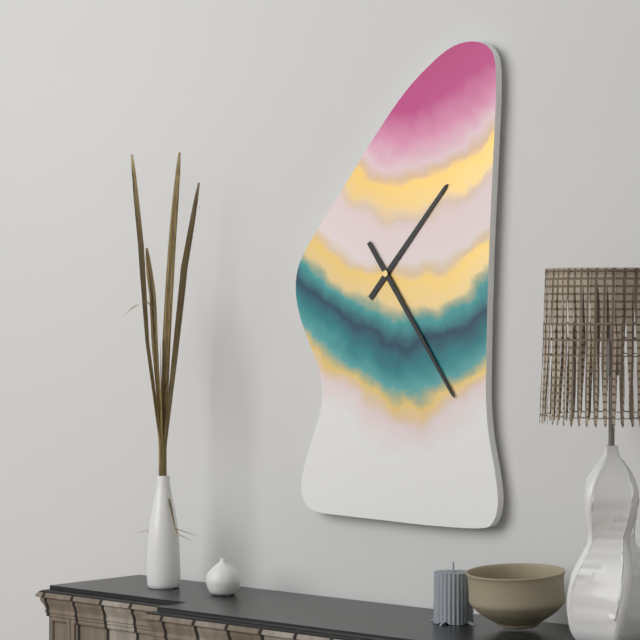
1:24
